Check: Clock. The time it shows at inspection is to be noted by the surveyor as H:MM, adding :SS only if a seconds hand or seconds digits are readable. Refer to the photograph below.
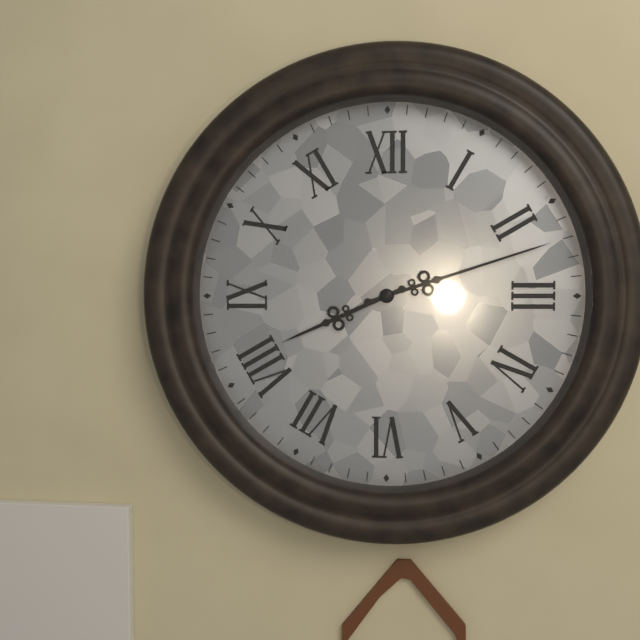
8:12
